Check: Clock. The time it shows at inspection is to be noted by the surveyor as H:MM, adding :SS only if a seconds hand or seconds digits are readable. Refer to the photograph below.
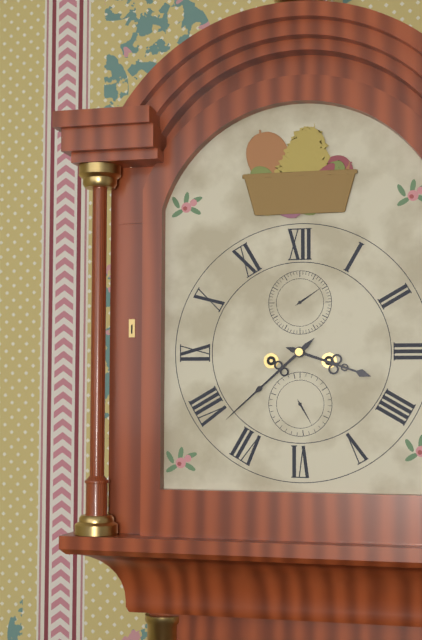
3:38
